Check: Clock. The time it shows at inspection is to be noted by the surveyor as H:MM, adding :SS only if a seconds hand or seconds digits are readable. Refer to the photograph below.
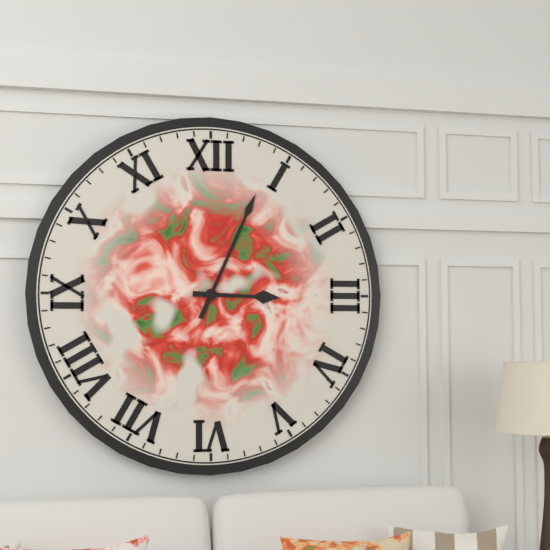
3:04
